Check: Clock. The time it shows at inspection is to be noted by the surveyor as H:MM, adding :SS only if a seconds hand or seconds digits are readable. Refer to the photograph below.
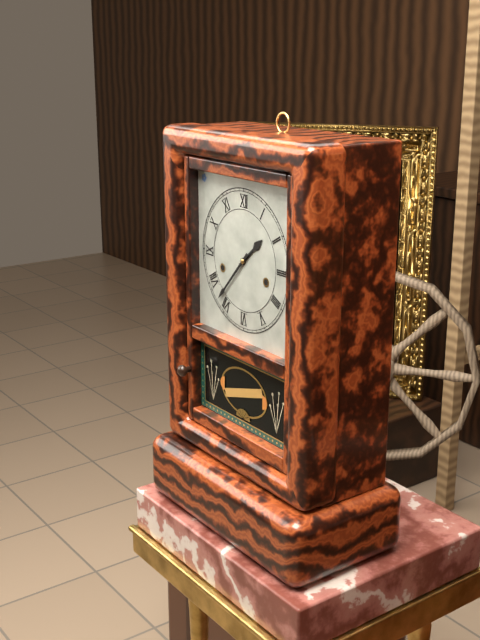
1:37
